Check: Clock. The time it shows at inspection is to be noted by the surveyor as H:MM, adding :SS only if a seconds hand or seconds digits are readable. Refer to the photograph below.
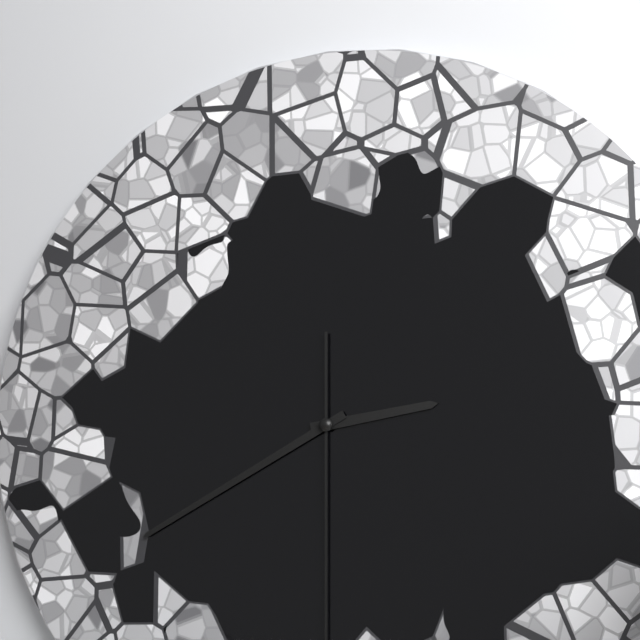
2:40
